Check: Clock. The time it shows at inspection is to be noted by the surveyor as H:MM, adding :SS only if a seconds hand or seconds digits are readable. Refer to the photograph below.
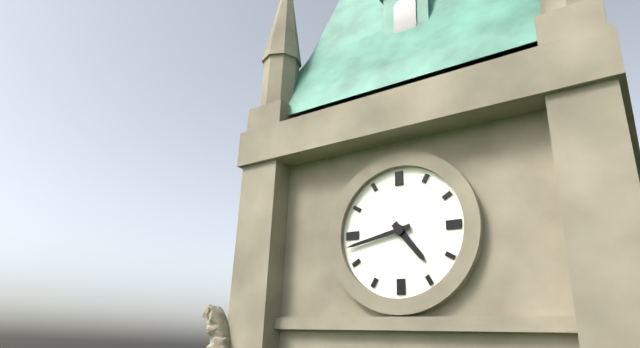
4:43
